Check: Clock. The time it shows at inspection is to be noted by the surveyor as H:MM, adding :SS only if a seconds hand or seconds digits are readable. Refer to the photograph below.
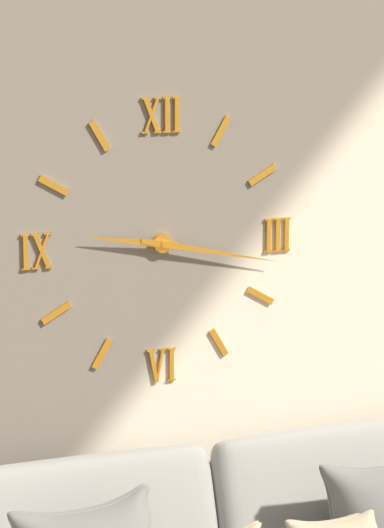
9:17
